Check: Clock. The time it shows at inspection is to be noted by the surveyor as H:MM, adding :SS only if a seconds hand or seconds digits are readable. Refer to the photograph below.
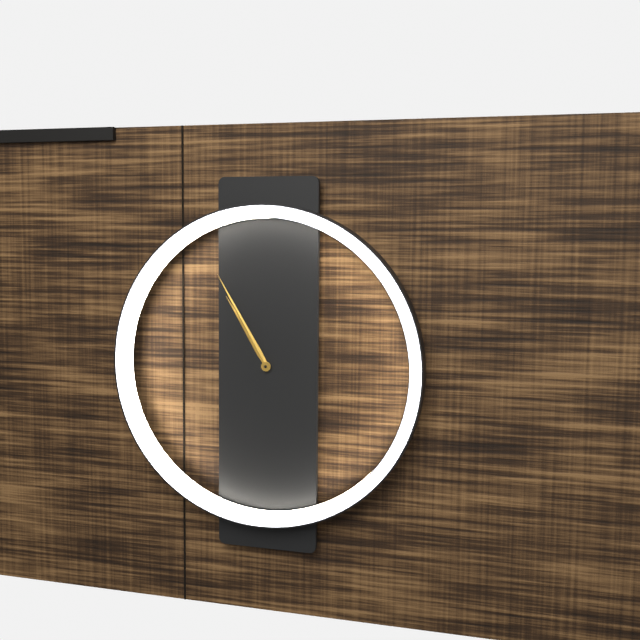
10:55
